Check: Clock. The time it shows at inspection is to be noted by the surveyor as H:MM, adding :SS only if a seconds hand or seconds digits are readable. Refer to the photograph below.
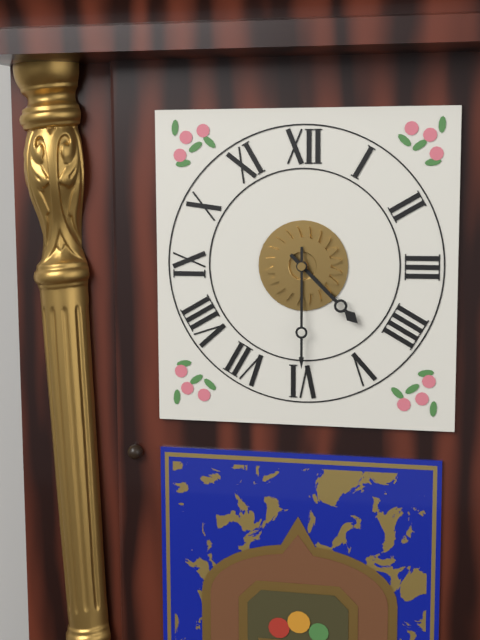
4:30
